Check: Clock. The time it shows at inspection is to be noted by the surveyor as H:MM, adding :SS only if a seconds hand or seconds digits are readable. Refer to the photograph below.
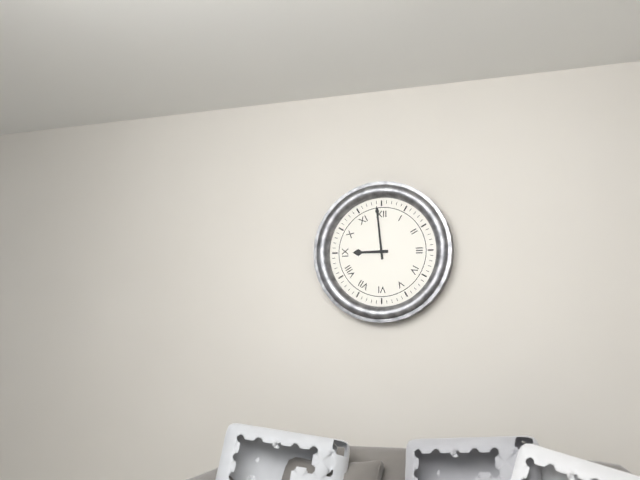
8:59
